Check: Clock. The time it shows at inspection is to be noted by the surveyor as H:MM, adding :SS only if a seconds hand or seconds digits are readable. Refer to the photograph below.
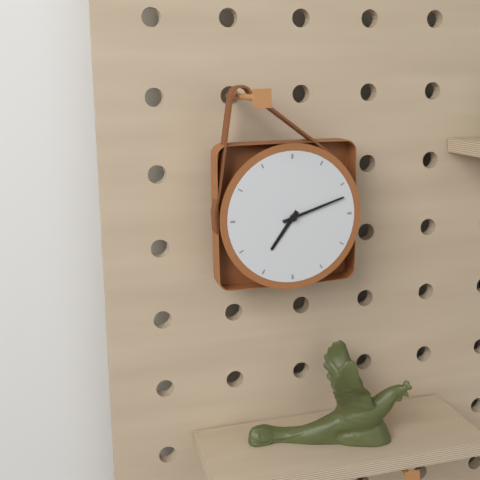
7:12
